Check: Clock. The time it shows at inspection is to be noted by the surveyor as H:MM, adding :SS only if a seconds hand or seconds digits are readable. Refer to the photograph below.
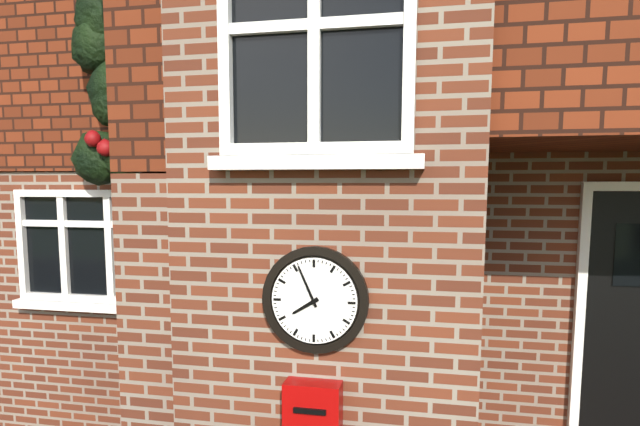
7:56
